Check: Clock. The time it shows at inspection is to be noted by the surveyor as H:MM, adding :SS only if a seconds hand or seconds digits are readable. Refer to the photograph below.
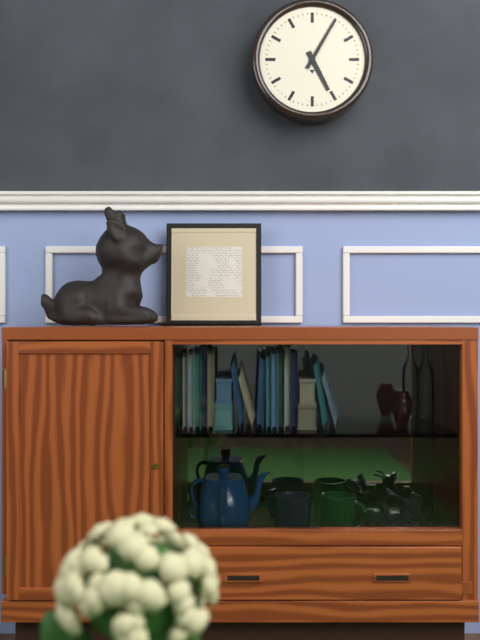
5:05
